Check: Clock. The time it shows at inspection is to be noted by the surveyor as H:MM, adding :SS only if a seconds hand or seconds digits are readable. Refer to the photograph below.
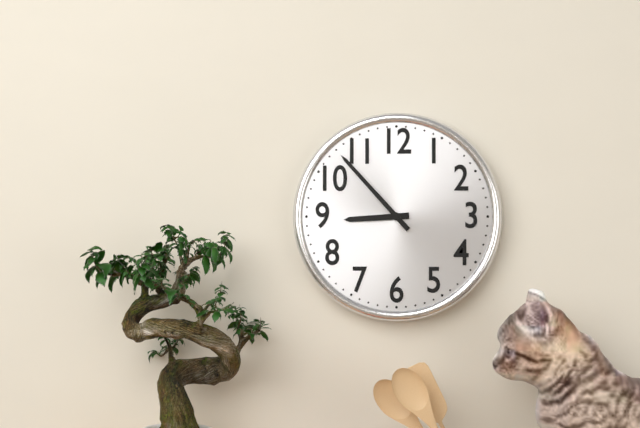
8:53
